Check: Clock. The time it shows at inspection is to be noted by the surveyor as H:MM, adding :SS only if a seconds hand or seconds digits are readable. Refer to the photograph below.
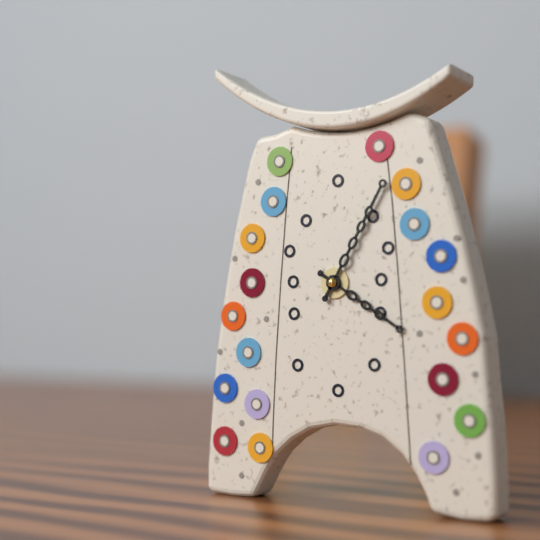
4:05
